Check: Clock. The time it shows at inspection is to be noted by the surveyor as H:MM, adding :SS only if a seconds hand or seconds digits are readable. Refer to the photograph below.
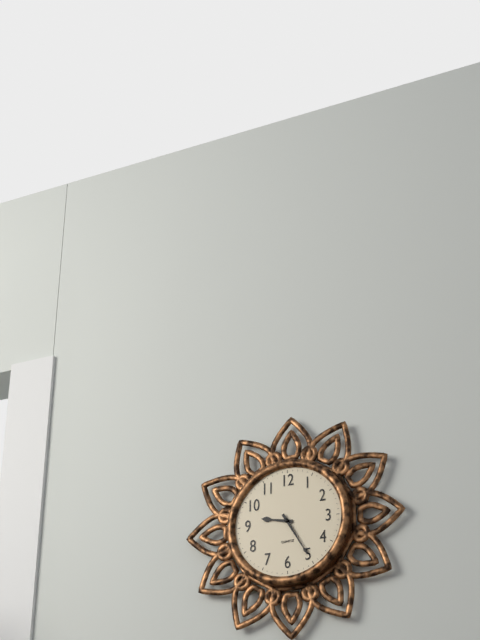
9:25
